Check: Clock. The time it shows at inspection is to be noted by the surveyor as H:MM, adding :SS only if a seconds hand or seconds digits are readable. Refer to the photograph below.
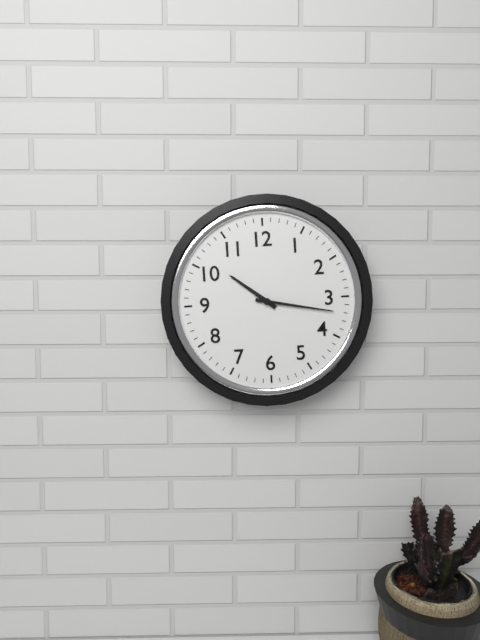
10:17
